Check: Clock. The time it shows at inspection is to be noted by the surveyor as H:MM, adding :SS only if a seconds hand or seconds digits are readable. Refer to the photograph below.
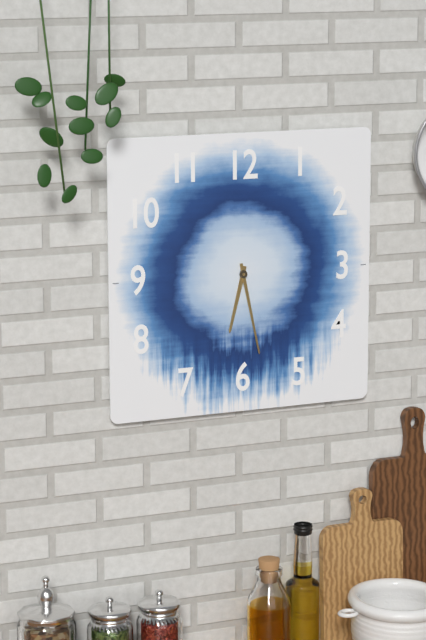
6:28
